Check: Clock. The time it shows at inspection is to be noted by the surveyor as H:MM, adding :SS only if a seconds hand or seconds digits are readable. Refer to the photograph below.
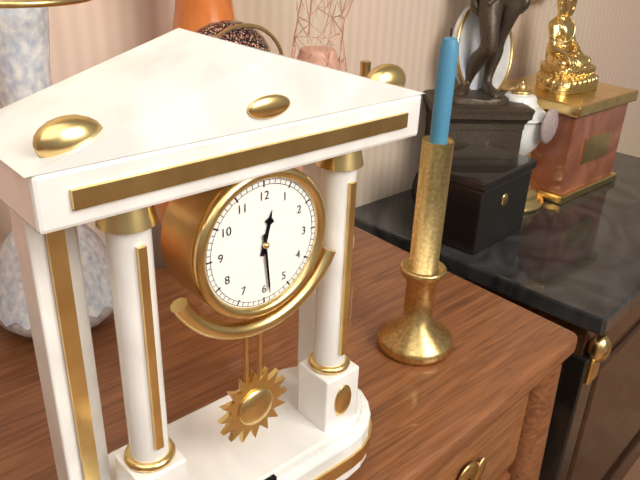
12:29
